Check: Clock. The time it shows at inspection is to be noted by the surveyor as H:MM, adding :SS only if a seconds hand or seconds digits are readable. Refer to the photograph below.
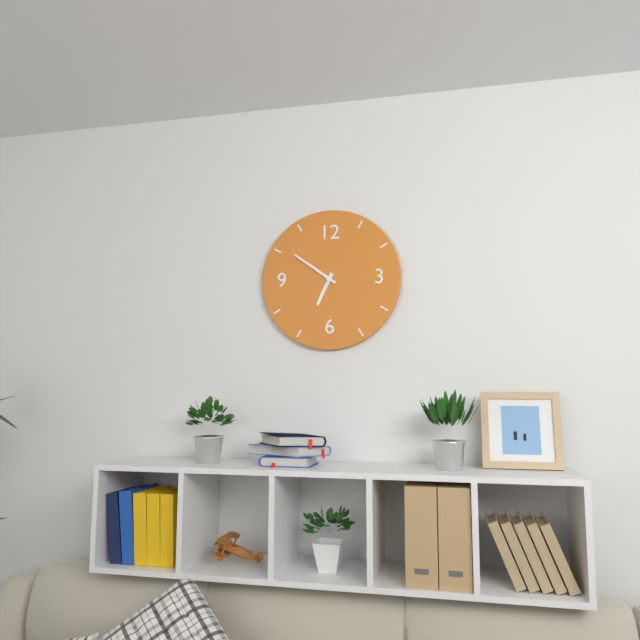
6:51
